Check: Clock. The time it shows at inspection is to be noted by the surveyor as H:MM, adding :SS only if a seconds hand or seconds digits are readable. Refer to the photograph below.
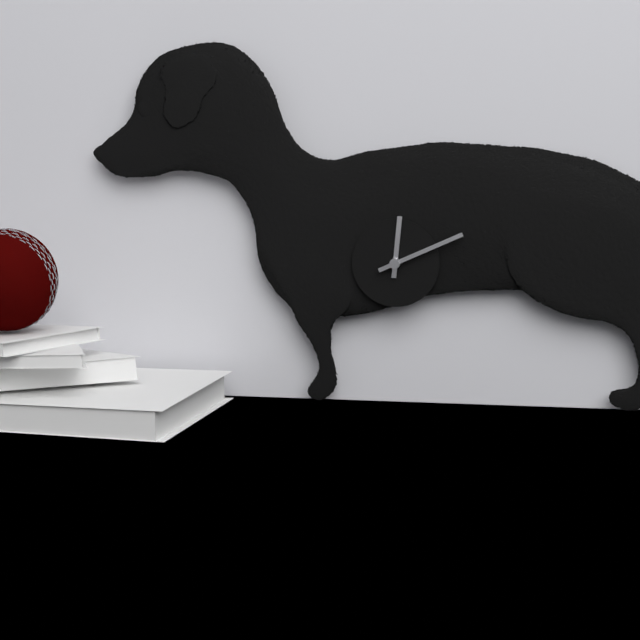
12:11
